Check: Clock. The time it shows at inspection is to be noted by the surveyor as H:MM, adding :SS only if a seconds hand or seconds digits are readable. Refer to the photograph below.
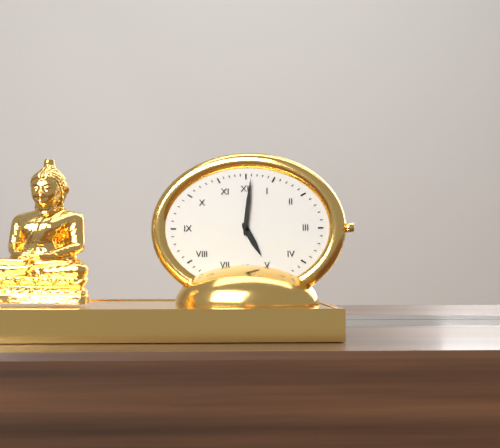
5:01
